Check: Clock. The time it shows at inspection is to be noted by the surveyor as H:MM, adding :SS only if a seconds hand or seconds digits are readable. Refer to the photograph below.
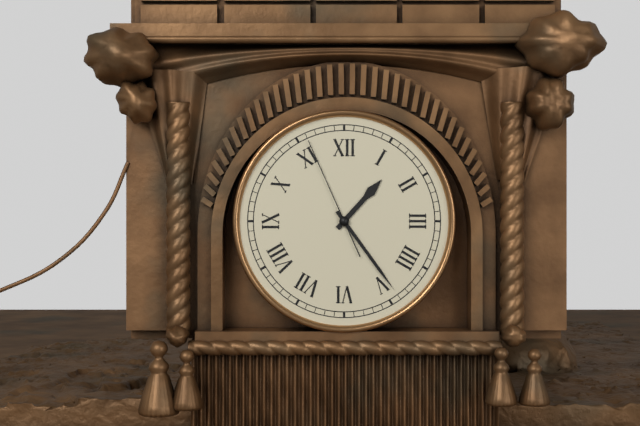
1:24:56
